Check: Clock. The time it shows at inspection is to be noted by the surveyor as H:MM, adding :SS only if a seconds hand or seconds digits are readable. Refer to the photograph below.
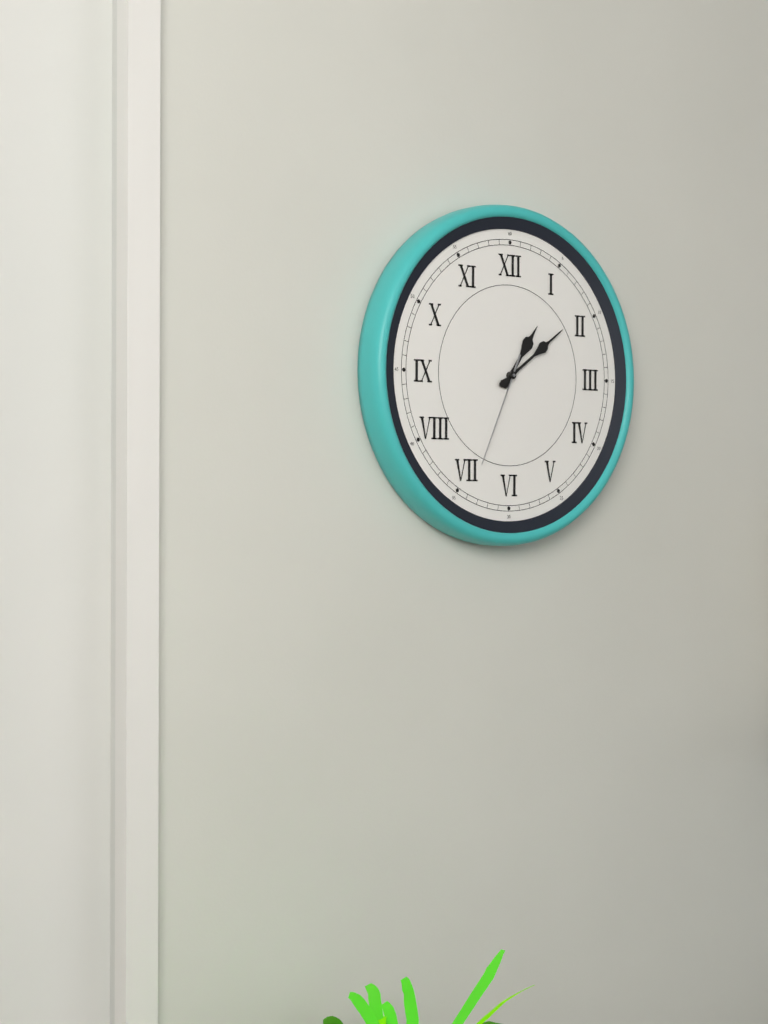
1:09:34
